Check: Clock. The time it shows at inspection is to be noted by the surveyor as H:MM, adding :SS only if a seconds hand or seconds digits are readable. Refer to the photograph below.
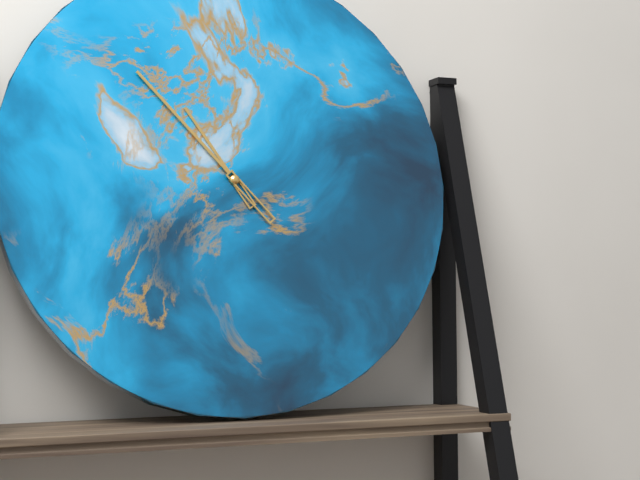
10:53
